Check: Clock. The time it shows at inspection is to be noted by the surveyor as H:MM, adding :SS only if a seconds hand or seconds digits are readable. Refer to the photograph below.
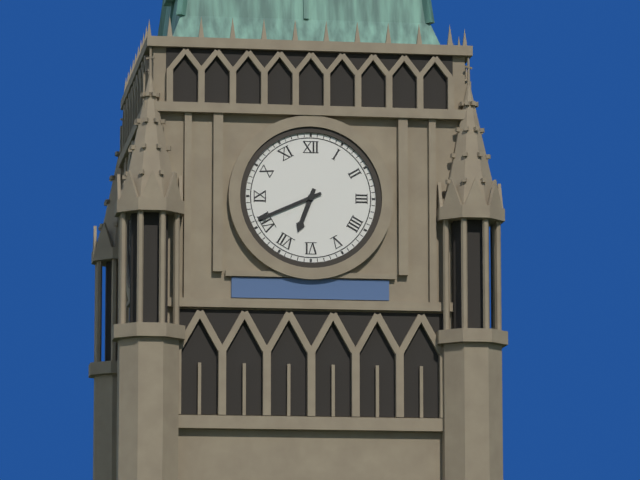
6:41
